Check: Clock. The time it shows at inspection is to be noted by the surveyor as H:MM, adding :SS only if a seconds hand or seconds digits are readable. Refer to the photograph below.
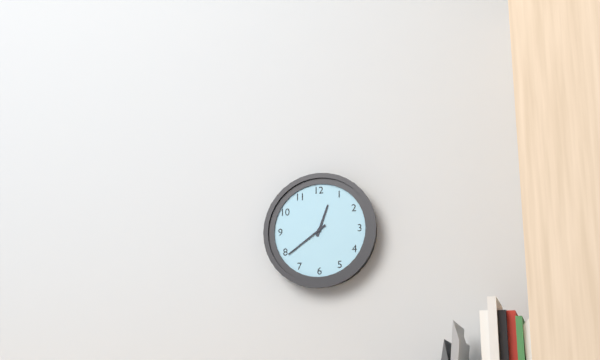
12:39
